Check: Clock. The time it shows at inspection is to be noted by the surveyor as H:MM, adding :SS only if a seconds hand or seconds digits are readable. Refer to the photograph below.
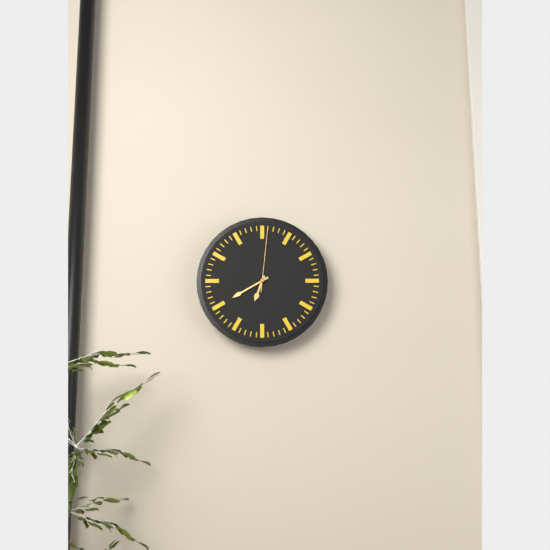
6:40:01
